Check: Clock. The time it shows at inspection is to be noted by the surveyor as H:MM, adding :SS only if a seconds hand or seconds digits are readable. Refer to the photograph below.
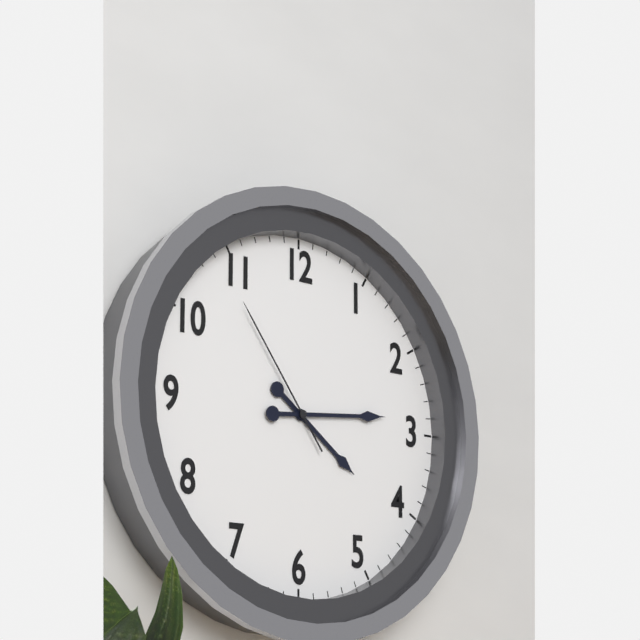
4:14:54
